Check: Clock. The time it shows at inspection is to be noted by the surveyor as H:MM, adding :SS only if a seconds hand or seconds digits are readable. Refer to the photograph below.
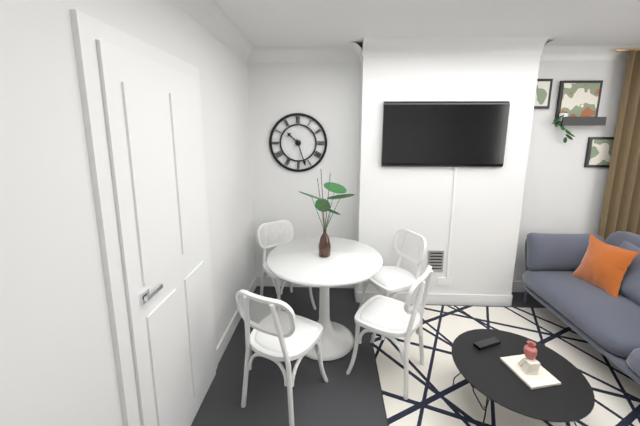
10:27
